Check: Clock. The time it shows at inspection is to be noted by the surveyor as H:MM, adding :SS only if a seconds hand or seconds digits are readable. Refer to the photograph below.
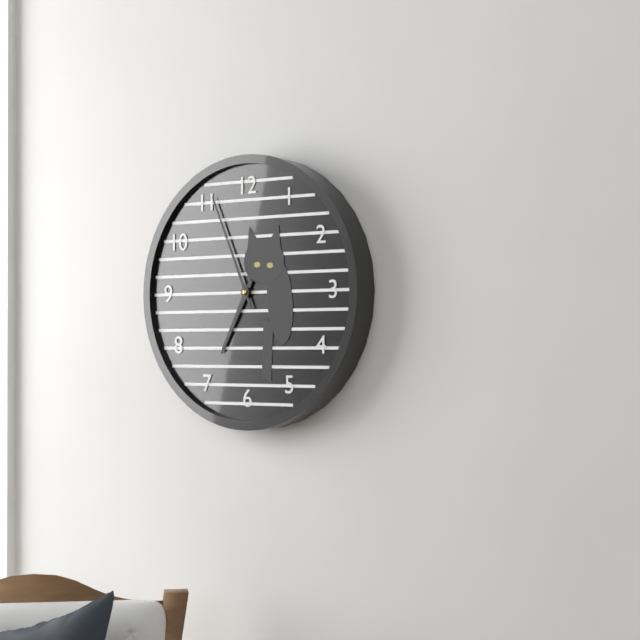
6:56
